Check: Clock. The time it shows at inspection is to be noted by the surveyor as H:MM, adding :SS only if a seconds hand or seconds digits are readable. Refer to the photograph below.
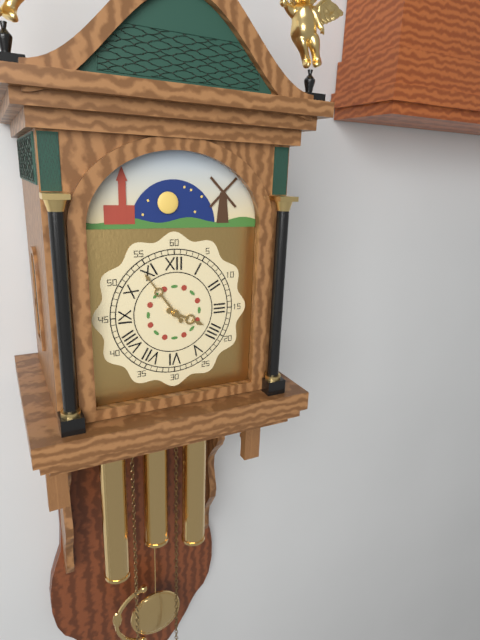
3:54
